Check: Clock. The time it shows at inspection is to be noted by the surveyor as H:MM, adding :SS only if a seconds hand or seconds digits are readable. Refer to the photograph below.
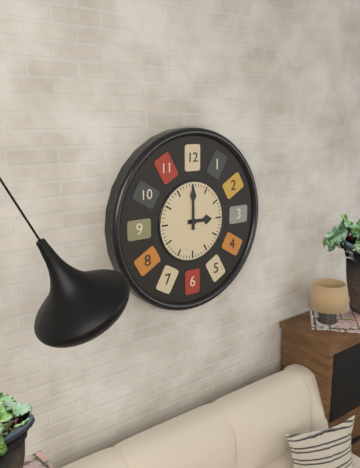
3:00
